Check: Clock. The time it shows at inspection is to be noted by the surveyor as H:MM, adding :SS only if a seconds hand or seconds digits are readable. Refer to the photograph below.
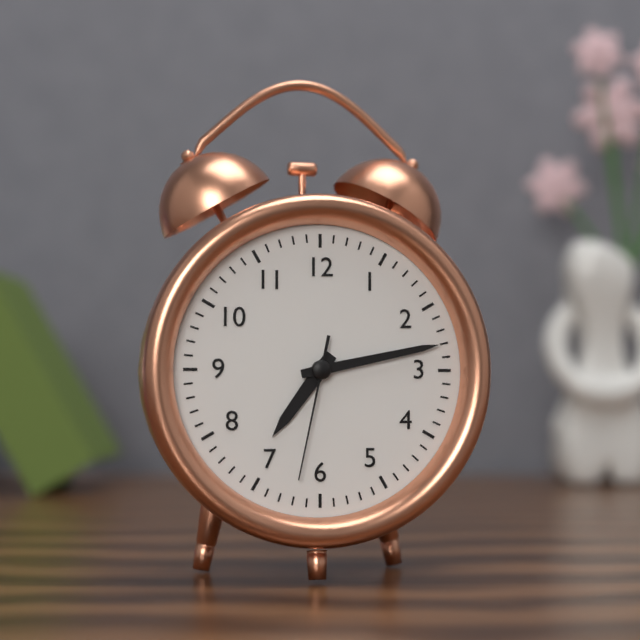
7:13:32
